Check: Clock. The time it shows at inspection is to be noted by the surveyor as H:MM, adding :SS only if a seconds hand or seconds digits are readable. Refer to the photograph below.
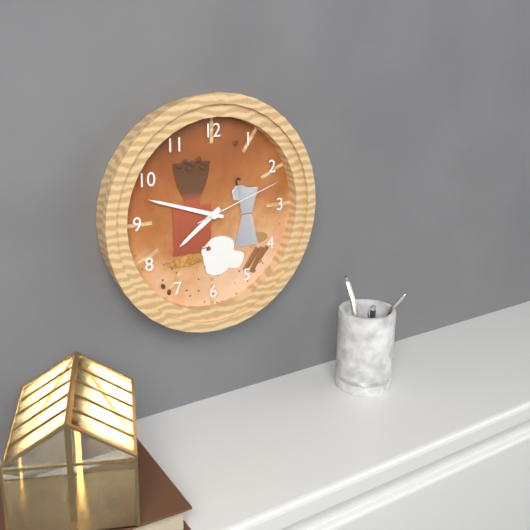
7:48:12
